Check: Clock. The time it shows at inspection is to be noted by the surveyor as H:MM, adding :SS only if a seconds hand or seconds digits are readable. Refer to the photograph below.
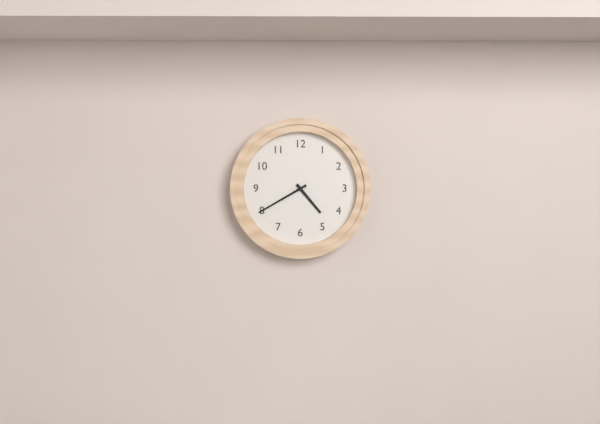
4:40
